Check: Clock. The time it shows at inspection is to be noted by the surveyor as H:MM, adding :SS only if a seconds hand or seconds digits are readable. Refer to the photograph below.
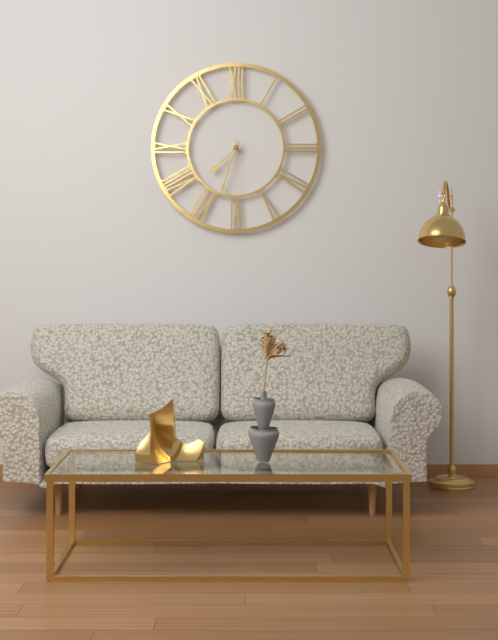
7:33:30
